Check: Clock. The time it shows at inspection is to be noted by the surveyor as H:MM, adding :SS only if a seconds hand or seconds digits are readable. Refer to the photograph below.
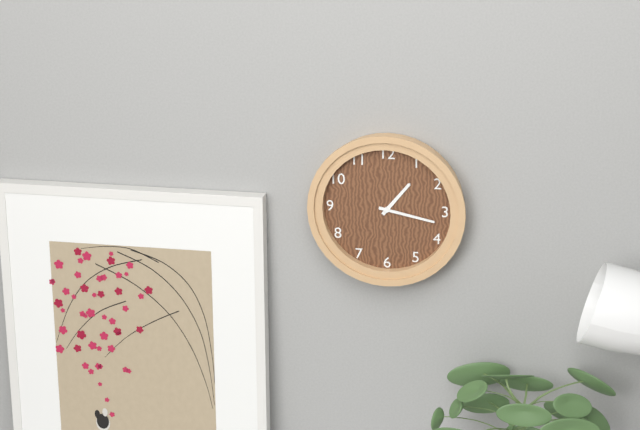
1:17
